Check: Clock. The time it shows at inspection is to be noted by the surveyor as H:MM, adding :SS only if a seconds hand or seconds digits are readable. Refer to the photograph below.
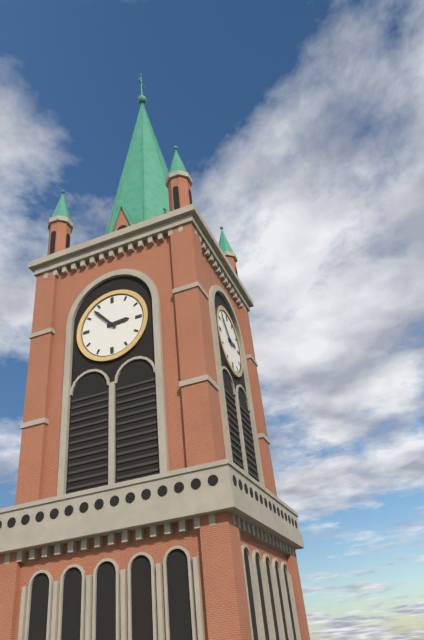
2:53
